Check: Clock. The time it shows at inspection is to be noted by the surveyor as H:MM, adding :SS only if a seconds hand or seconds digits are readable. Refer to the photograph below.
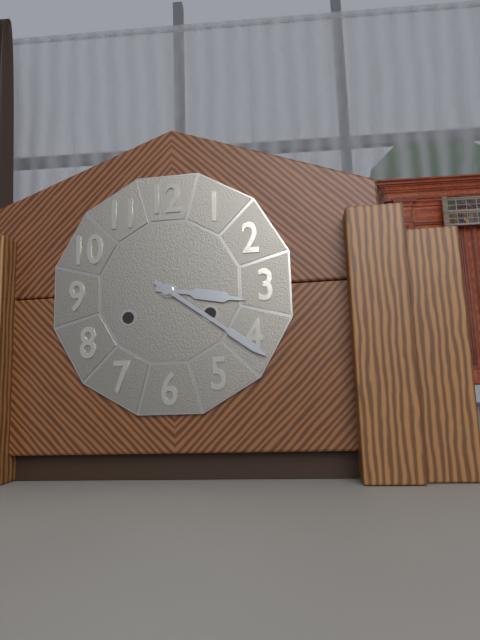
3:21
